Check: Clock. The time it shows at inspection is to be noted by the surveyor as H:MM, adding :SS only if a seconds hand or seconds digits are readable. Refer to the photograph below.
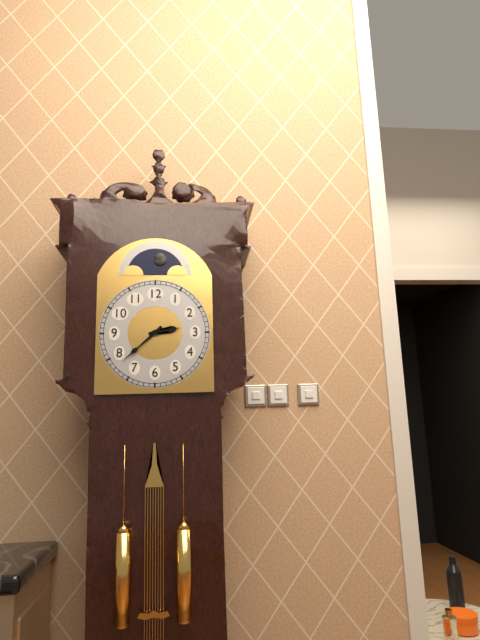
2:38
